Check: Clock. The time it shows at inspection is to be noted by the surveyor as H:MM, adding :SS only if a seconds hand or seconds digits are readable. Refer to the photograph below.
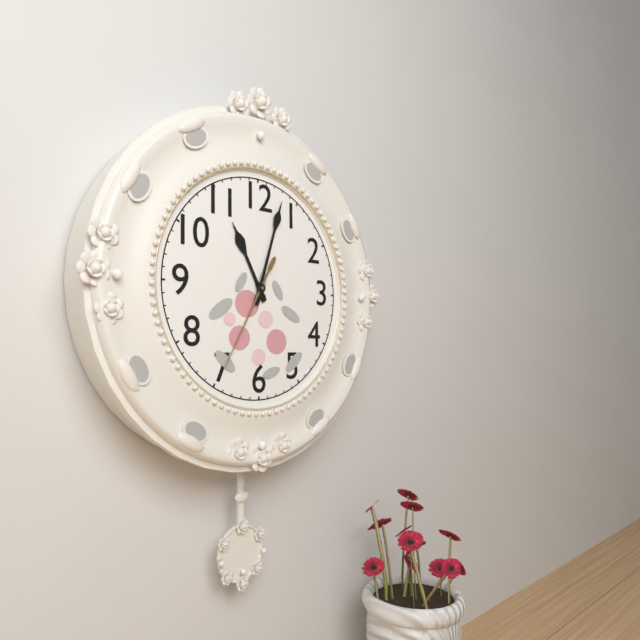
11:03:35
